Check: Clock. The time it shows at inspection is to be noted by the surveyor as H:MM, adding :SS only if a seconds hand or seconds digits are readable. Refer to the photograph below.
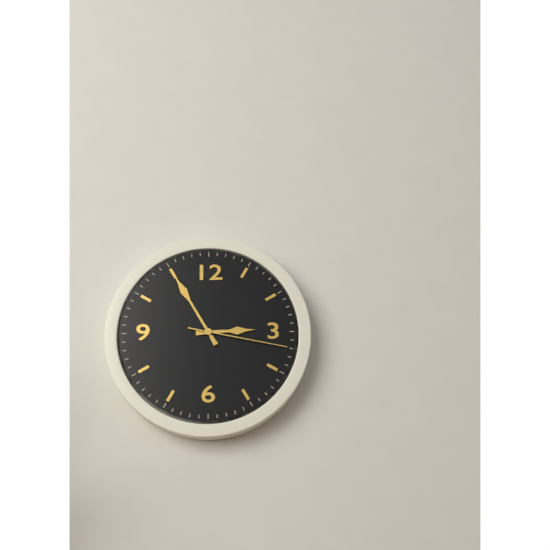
2:55:17
